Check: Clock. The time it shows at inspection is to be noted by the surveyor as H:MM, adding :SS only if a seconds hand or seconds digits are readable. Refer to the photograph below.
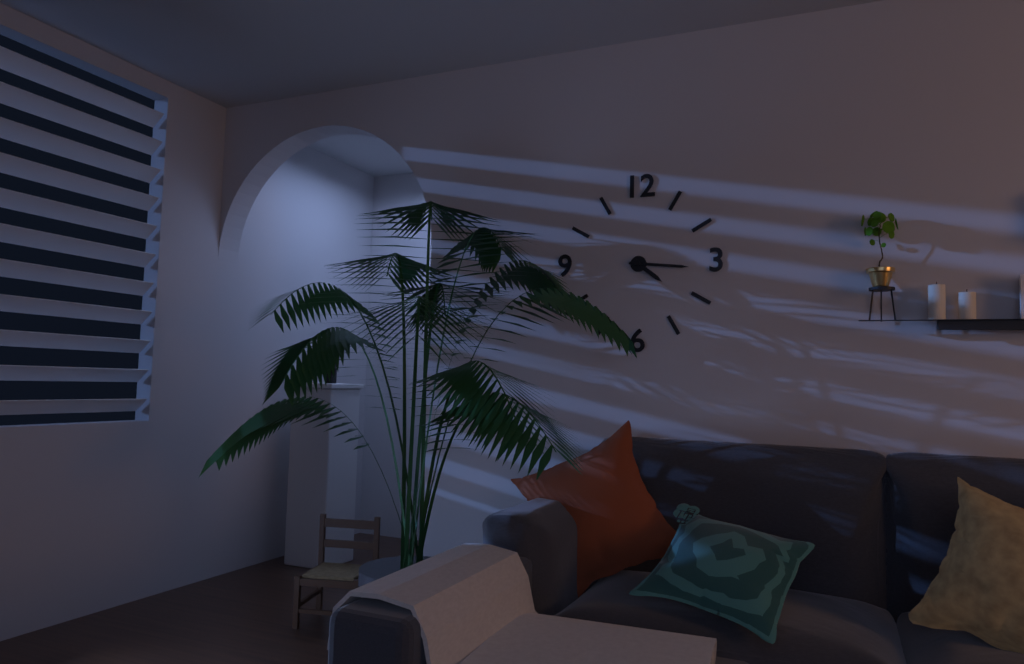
4:16
